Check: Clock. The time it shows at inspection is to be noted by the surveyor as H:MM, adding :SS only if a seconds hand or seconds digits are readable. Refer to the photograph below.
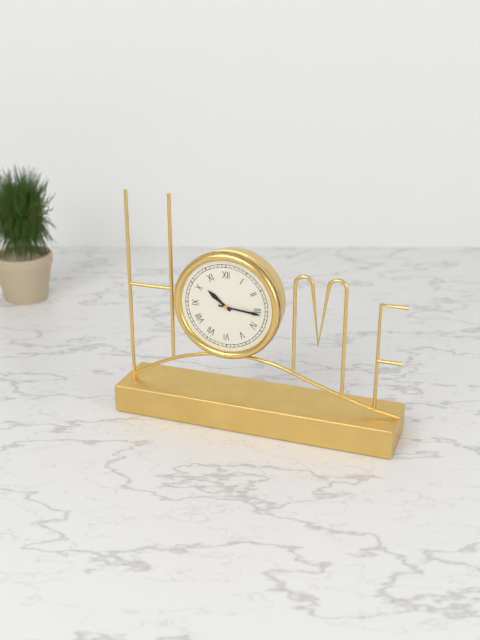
10:16
